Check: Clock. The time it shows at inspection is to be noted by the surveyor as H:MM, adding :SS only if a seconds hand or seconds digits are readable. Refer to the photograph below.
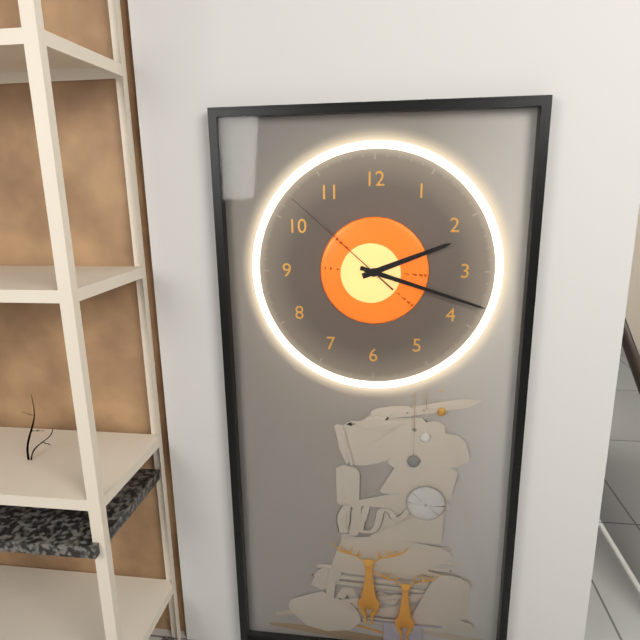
2:18:52
